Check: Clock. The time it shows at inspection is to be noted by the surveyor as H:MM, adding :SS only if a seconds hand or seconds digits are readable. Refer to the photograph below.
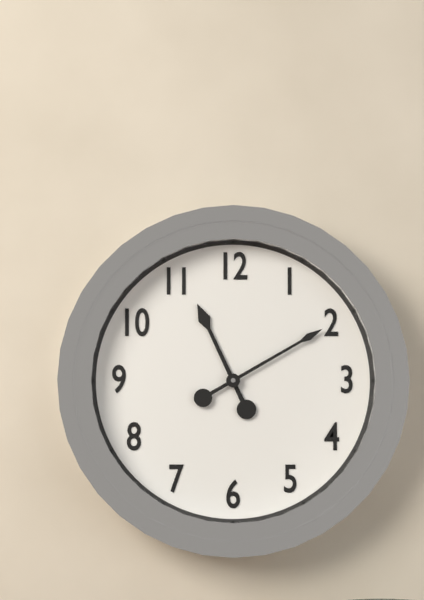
11:10
